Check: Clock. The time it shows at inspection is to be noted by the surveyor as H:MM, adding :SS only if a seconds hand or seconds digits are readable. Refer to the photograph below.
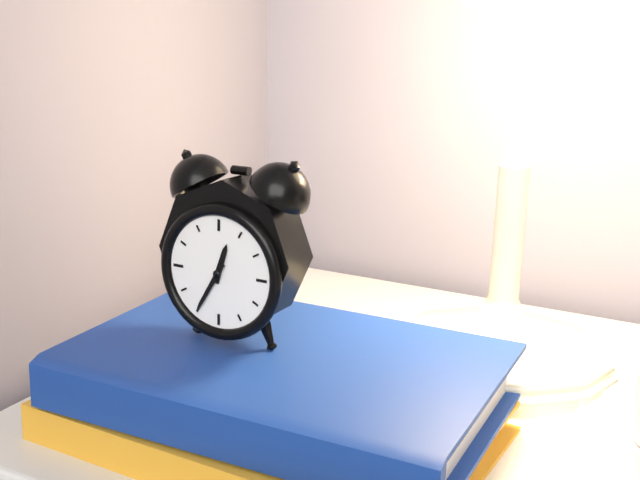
12:35
